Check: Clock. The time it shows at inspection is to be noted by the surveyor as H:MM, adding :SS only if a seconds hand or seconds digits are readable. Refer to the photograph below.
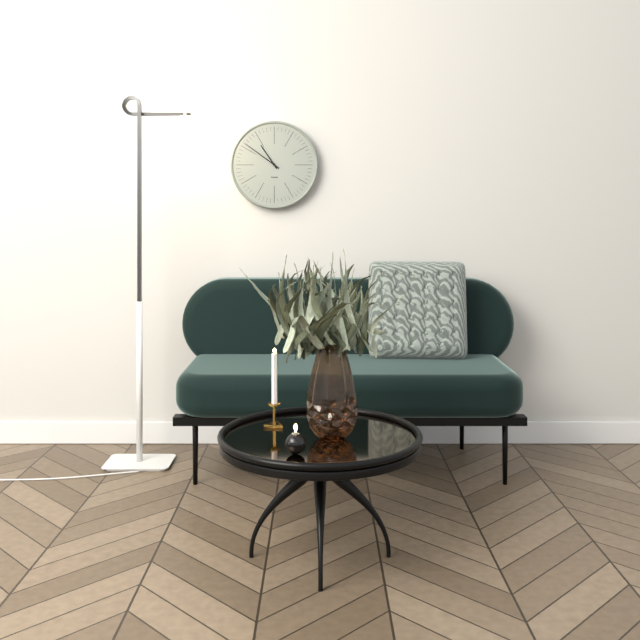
10:51
